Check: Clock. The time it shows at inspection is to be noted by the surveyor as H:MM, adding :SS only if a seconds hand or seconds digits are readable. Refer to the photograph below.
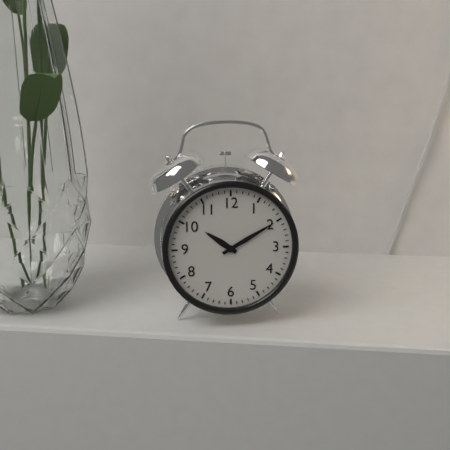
10:10
